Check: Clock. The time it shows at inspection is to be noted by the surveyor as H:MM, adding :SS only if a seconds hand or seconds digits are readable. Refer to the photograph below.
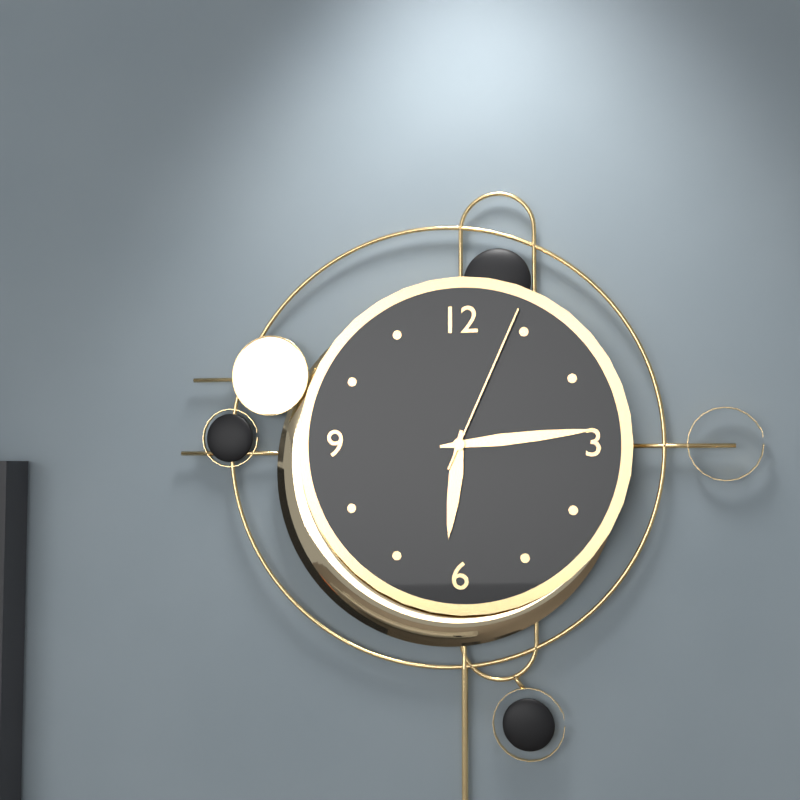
6:14:04
